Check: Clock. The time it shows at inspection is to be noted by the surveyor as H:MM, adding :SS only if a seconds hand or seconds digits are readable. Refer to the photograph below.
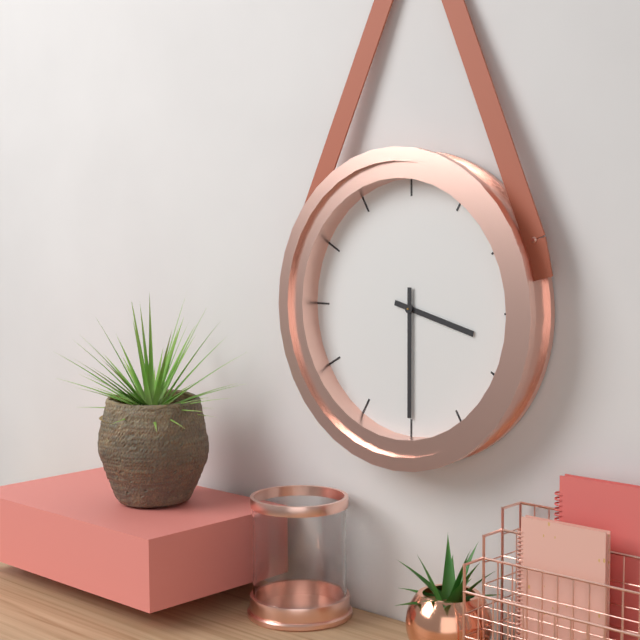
3:30
